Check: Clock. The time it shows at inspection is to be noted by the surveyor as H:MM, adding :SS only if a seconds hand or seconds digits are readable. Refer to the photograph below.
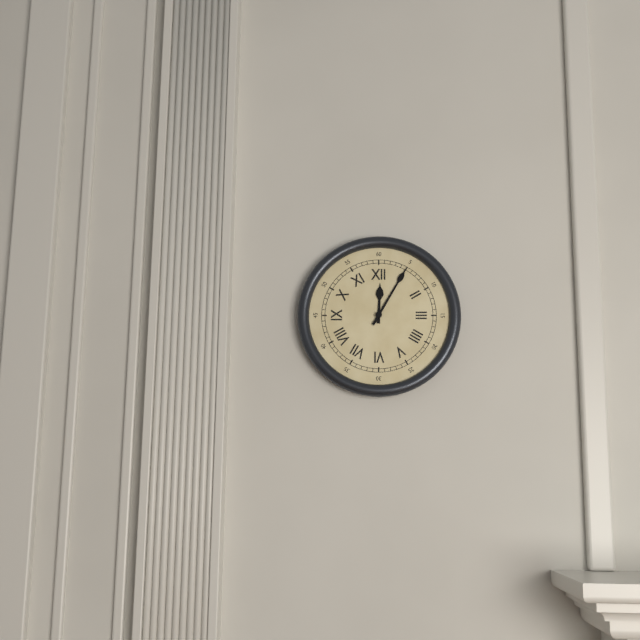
12:05
